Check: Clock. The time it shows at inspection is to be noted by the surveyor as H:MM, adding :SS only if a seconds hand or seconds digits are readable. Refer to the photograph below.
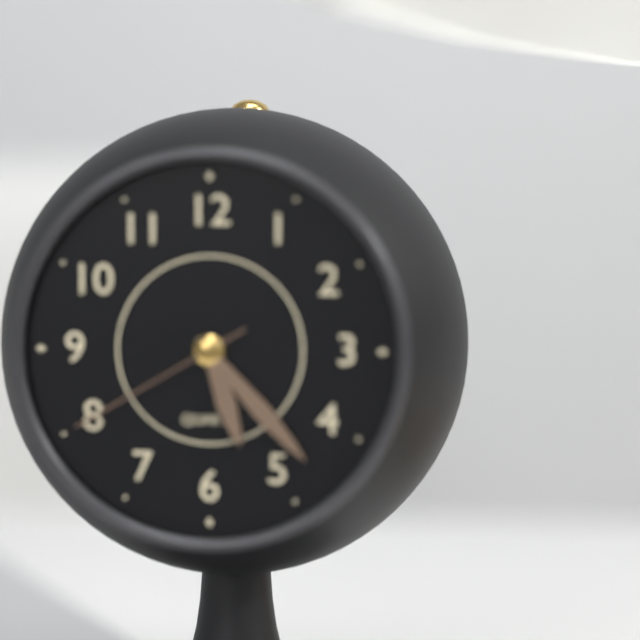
5:23:40
